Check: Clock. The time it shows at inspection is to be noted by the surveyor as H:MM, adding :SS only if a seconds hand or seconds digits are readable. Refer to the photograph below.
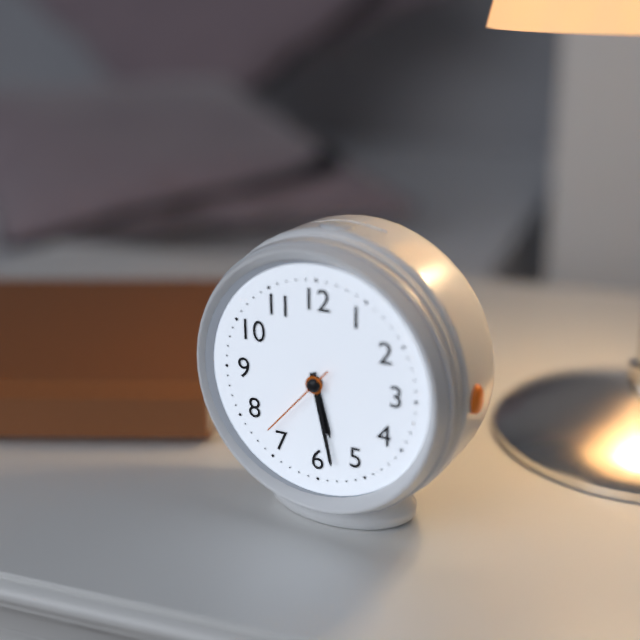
5:28:37
